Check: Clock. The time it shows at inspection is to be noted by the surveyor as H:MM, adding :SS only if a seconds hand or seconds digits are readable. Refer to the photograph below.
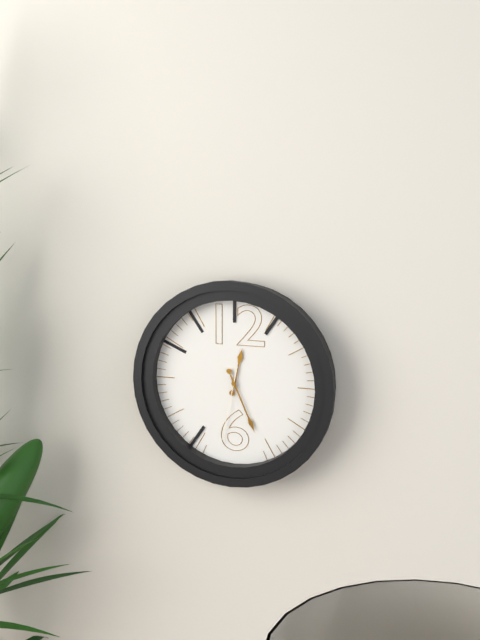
12:26:32
